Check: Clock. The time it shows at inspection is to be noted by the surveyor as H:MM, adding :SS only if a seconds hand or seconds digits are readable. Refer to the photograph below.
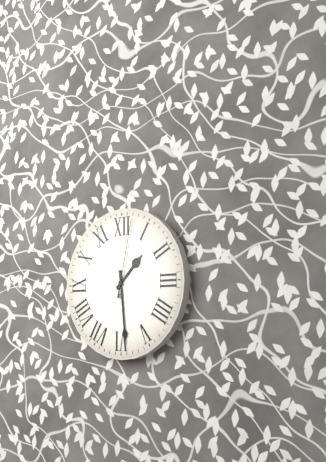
1:29:02
